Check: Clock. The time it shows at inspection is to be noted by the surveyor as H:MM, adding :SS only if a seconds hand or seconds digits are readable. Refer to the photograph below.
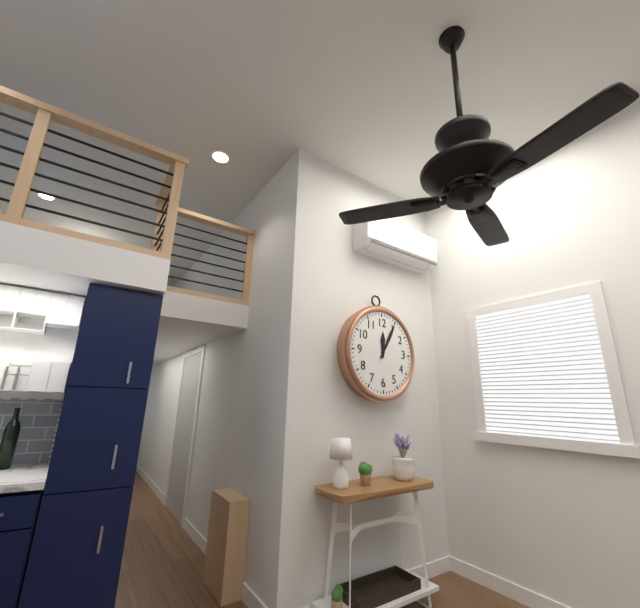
12:05
